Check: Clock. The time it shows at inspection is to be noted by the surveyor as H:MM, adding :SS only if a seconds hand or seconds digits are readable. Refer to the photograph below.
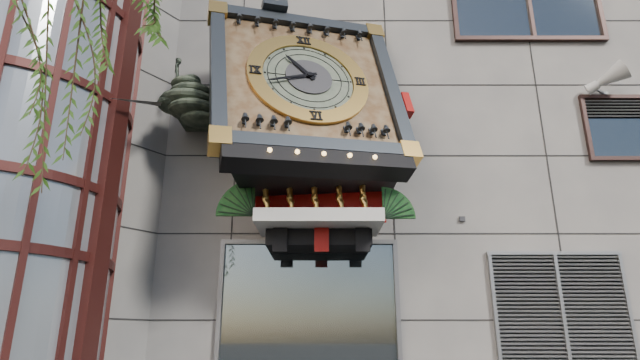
10:42
